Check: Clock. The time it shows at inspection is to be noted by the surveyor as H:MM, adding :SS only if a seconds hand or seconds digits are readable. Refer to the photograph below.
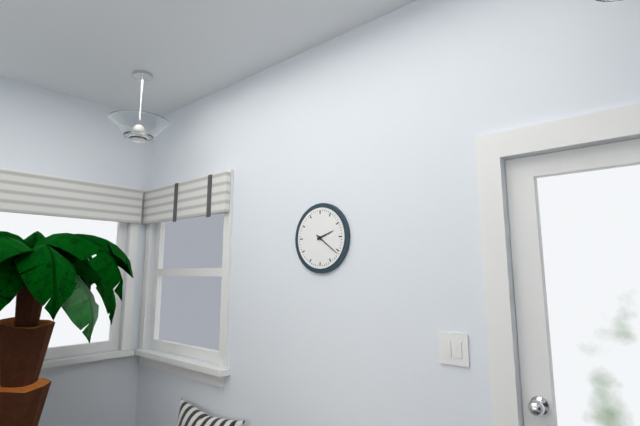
2:21
